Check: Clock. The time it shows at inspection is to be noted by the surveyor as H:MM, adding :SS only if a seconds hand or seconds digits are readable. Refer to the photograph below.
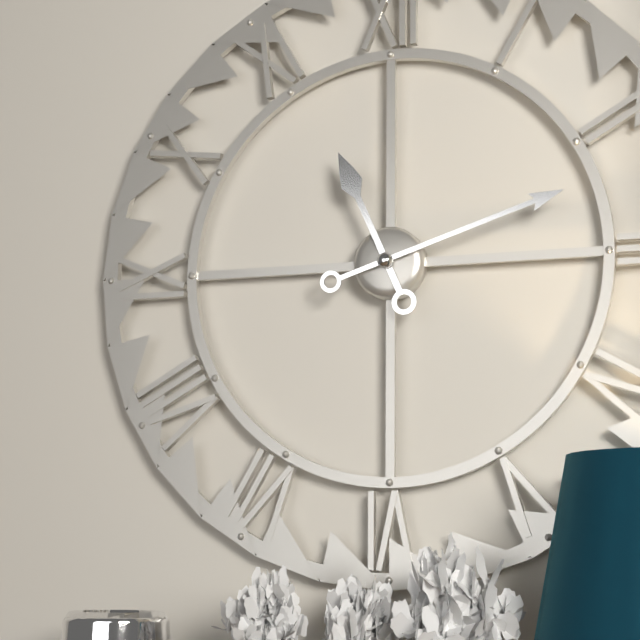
11:12
